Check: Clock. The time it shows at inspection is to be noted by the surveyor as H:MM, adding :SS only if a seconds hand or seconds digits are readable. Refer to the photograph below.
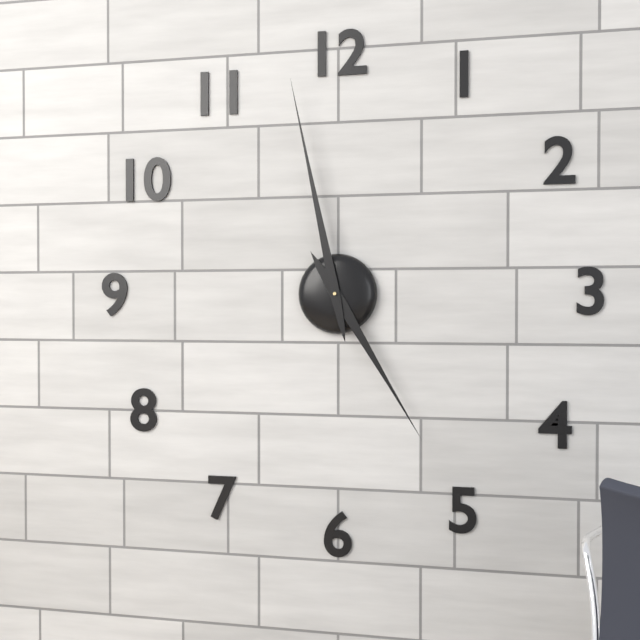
4:58
